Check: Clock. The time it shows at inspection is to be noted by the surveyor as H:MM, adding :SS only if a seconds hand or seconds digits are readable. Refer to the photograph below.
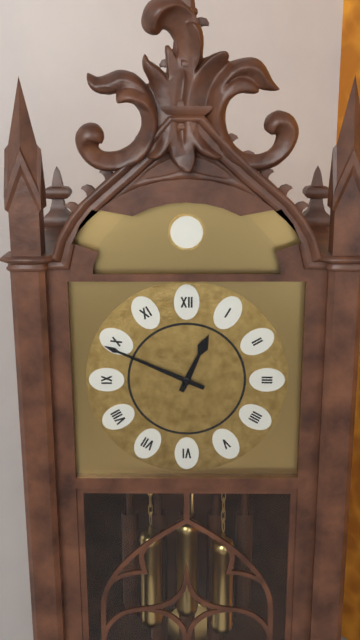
12:49
